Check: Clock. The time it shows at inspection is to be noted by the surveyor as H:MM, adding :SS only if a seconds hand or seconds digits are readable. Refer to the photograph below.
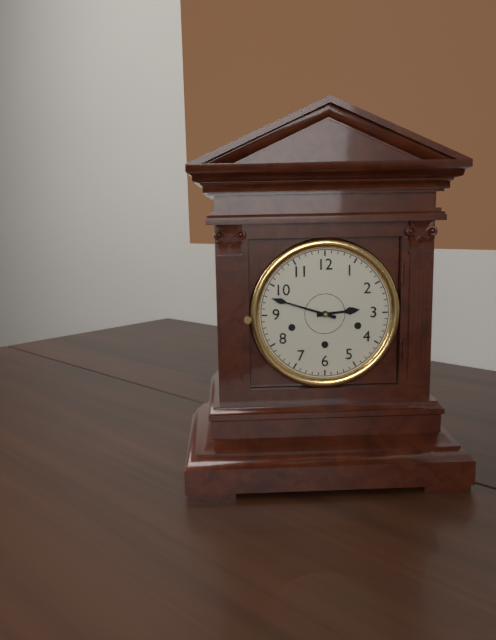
2:48
